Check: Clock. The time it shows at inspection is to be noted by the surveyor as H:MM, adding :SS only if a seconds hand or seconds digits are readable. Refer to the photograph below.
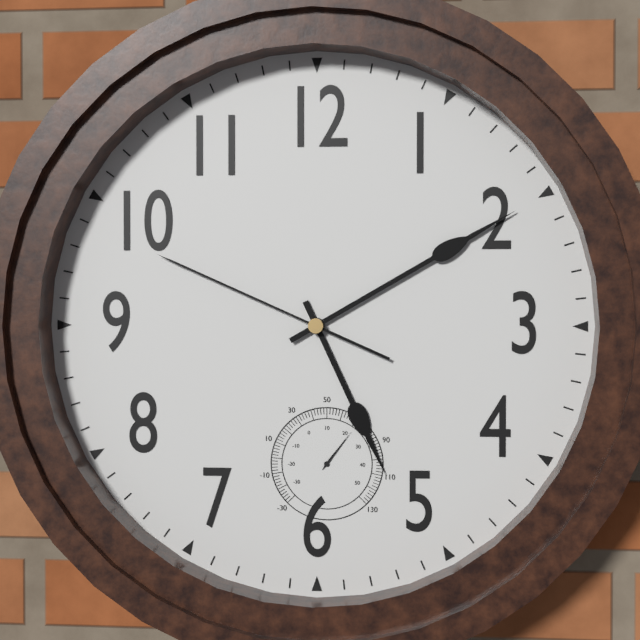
5:10:49
